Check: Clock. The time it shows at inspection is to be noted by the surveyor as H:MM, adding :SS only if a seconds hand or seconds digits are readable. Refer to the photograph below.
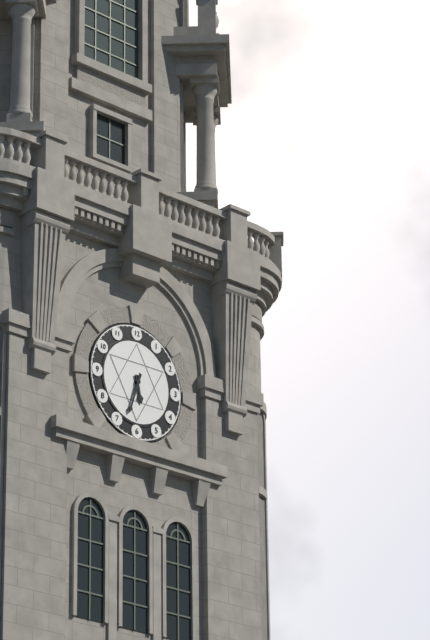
5:33
